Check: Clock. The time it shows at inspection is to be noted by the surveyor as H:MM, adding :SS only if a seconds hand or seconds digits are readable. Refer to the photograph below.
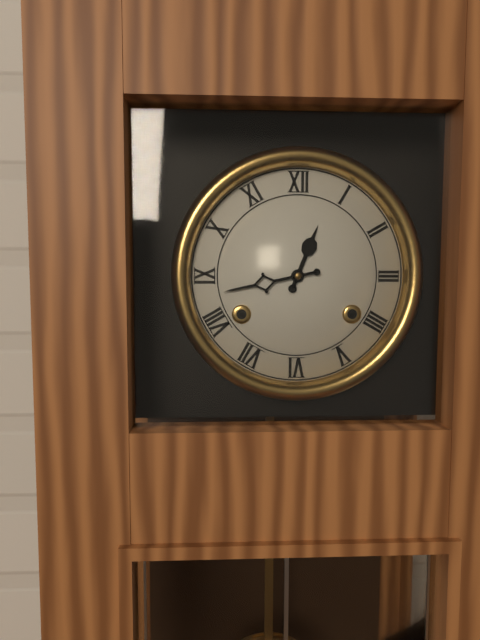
12:43
